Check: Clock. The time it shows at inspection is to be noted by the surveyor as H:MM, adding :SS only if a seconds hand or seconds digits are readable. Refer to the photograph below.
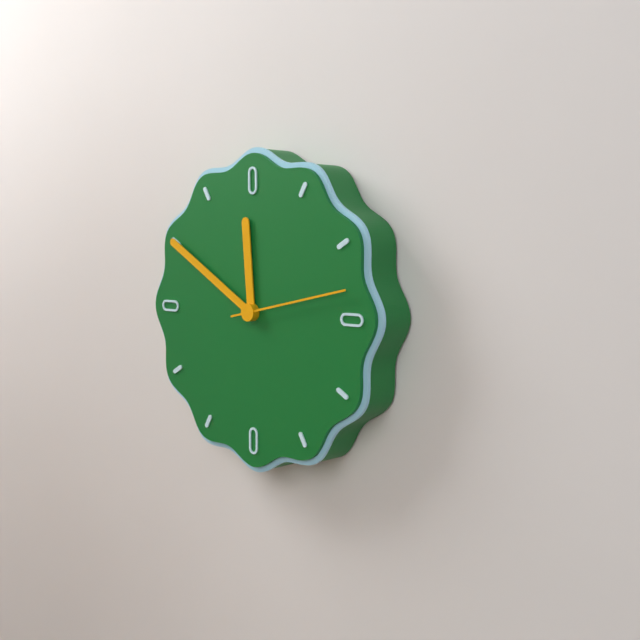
11:50:13
